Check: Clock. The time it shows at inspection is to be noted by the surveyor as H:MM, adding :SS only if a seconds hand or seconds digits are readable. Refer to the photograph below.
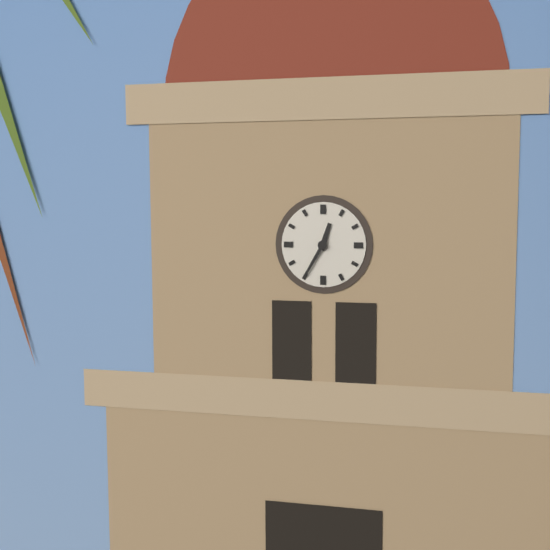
12:35
